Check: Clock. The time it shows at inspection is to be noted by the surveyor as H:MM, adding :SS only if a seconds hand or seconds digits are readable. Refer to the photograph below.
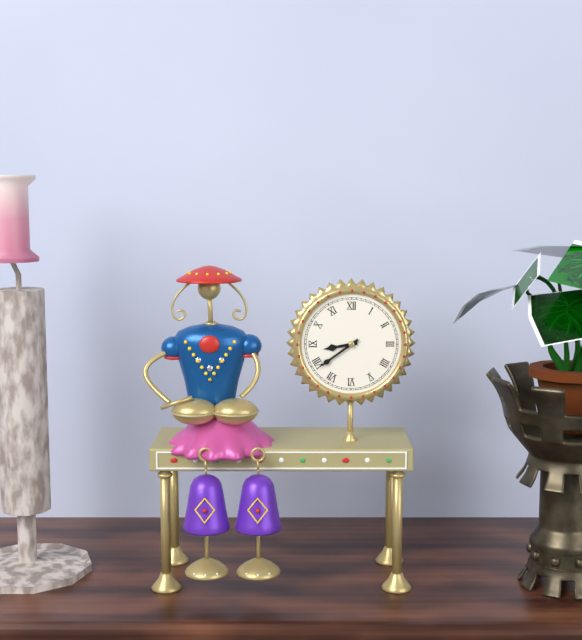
8:39
